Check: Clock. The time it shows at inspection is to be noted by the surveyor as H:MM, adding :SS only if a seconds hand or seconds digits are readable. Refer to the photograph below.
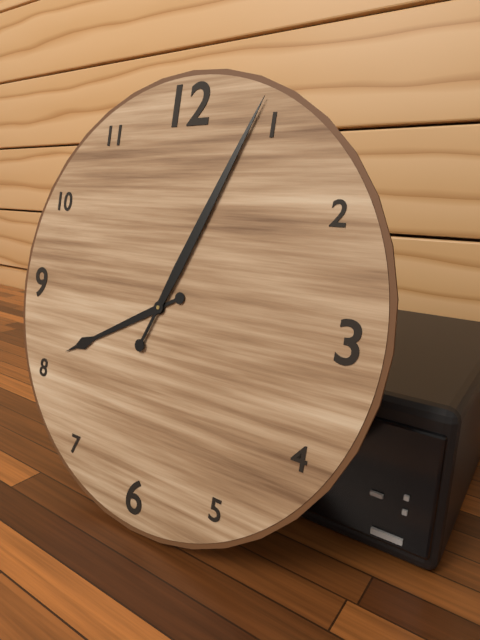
8:04
